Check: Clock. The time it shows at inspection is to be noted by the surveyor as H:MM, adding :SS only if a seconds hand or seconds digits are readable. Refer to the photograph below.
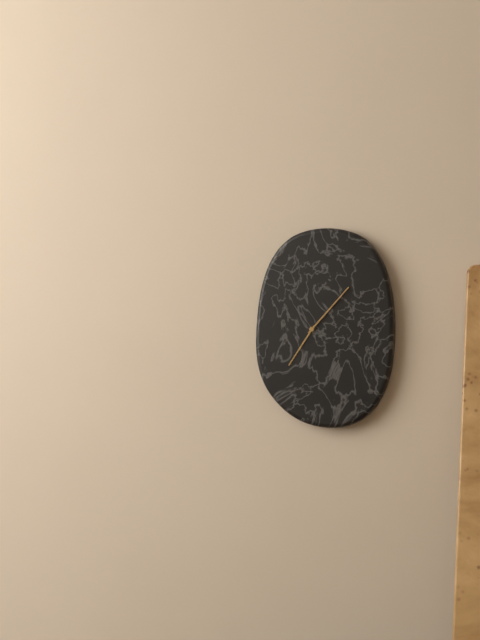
7:07
